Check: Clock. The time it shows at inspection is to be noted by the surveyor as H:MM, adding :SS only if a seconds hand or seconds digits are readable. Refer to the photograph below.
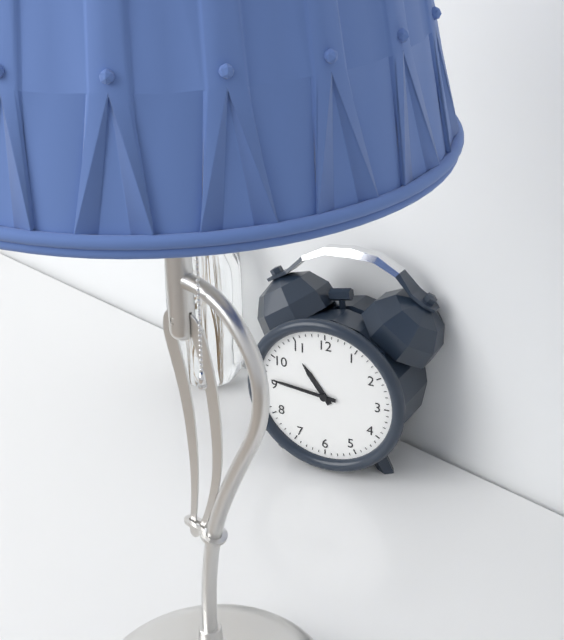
10:46
